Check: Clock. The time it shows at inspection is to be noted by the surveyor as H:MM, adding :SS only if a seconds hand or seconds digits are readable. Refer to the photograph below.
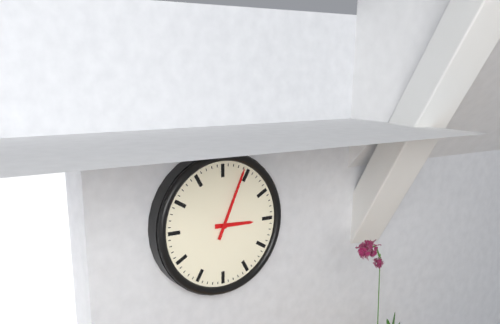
3:04
